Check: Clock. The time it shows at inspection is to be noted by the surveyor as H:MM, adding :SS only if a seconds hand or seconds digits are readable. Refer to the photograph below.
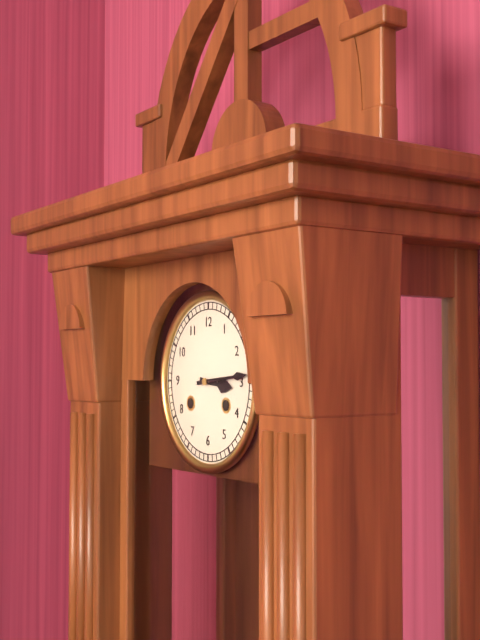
3:14
